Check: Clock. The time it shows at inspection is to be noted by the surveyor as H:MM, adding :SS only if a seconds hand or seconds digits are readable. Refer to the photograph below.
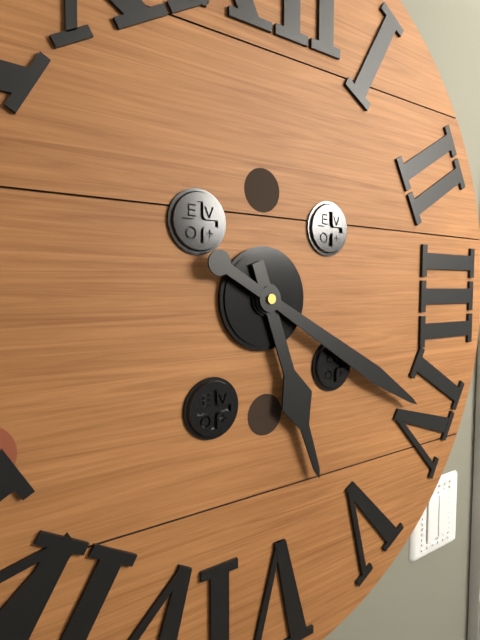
5:20
